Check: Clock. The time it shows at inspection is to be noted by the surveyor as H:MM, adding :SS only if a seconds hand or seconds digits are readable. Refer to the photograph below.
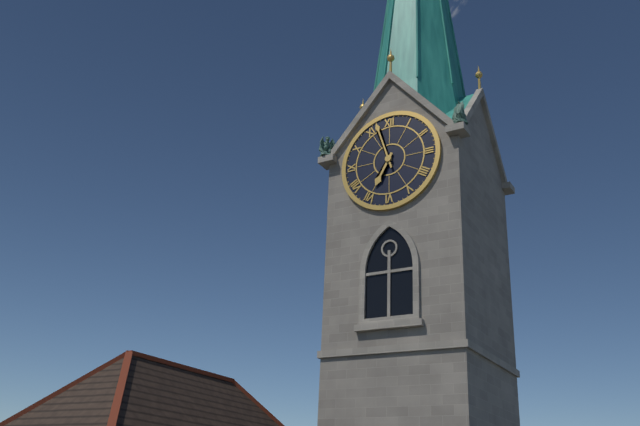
6:57
